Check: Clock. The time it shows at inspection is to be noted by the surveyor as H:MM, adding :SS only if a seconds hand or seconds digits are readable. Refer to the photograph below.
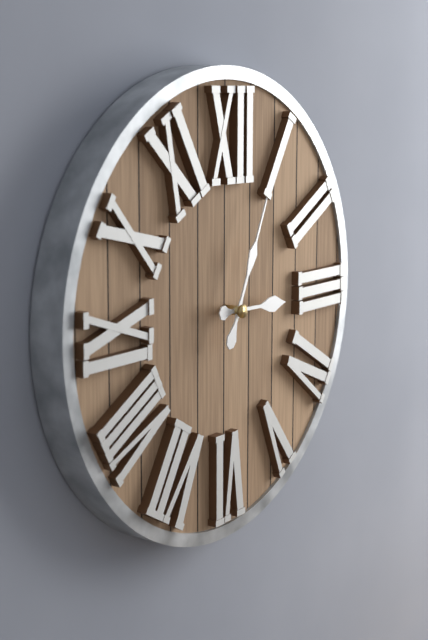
3:04
